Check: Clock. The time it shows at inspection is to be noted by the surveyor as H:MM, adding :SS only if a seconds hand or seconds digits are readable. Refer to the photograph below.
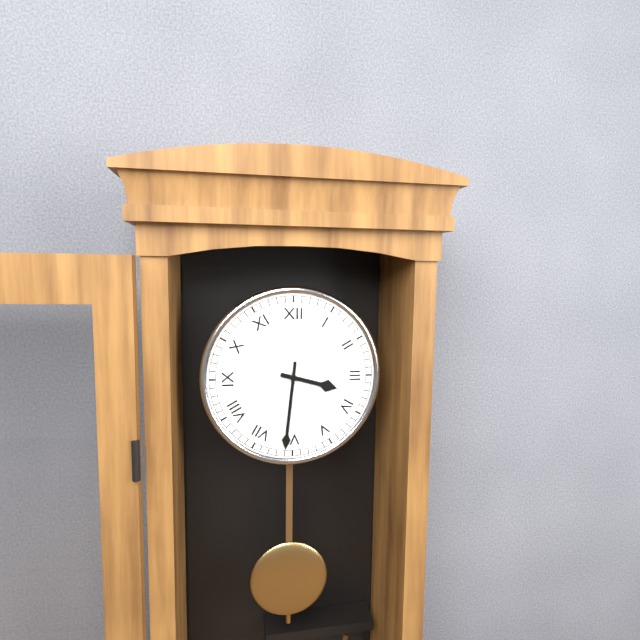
3:31
